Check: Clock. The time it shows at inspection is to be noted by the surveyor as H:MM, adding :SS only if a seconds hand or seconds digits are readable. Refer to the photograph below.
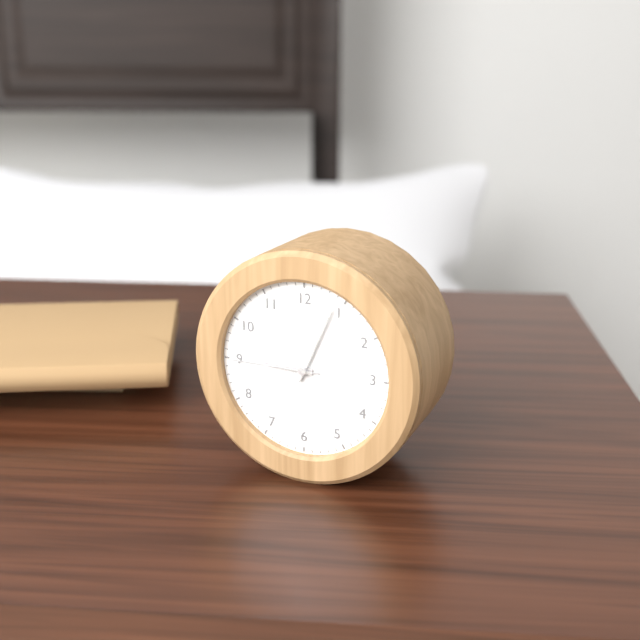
9:04:45
